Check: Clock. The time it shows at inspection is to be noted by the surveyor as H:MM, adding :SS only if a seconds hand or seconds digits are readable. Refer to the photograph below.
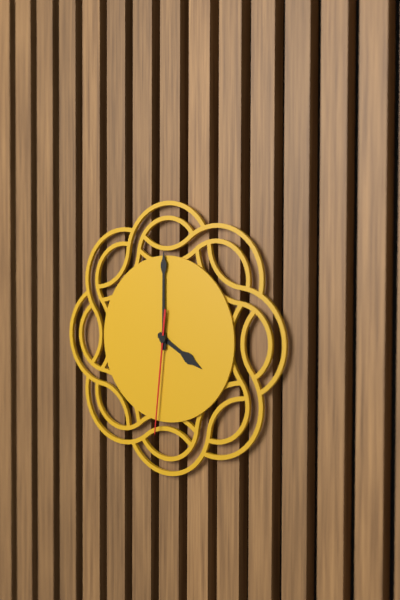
4:00:31
